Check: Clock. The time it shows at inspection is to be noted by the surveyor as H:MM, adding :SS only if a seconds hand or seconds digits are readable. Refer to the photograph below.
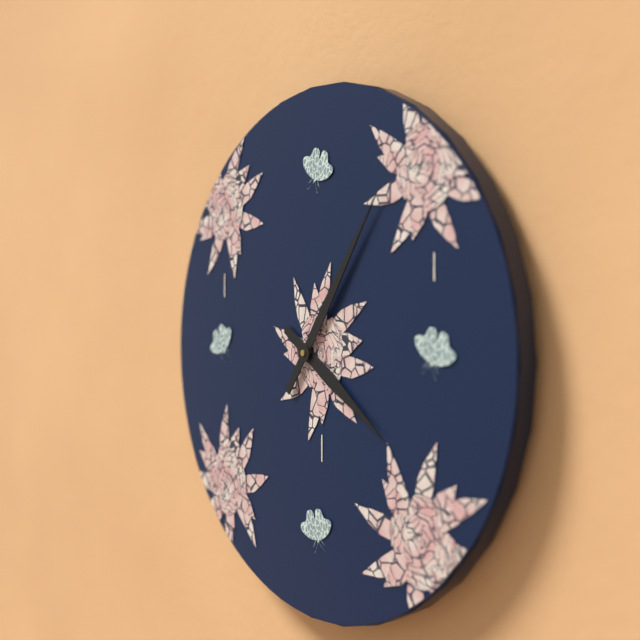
4:06
